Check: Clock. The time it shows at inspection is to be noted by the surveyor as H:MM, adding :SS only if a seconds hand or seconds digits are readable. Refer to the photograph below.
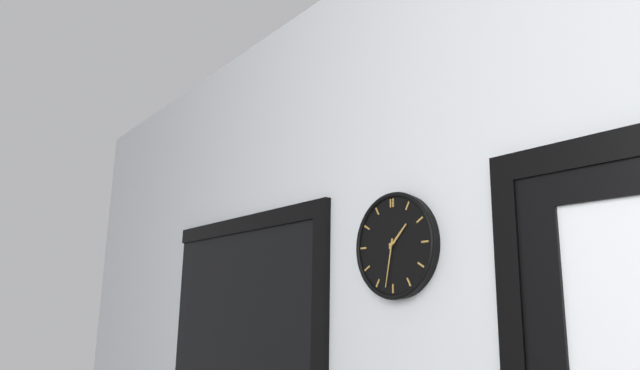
1:32
